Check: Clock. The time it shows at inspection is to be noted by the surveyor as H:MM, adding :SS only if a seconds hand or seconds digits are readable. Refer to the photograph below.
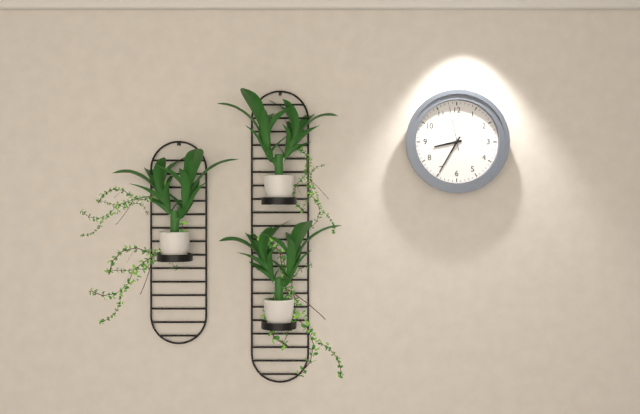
8:35
